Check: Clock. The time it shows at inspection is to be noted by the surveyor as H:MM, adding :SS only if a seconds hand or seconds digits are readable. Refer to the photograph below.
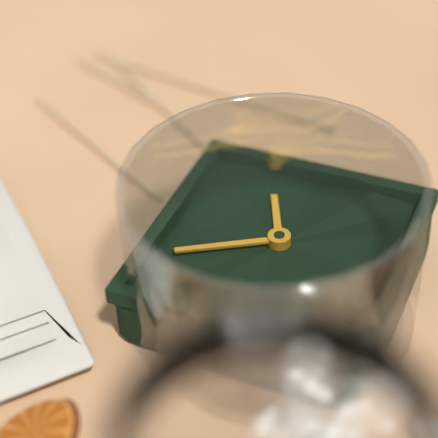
5:10
